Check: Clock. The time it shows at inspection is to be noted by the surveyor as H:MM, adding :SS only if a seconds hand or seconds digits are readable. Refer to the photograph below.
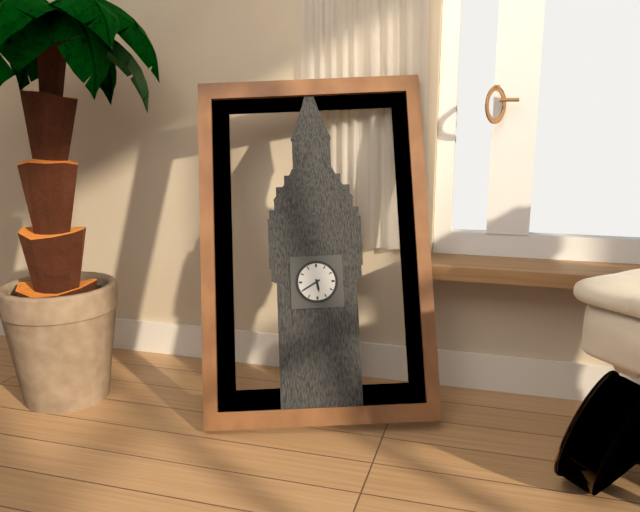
5:40
